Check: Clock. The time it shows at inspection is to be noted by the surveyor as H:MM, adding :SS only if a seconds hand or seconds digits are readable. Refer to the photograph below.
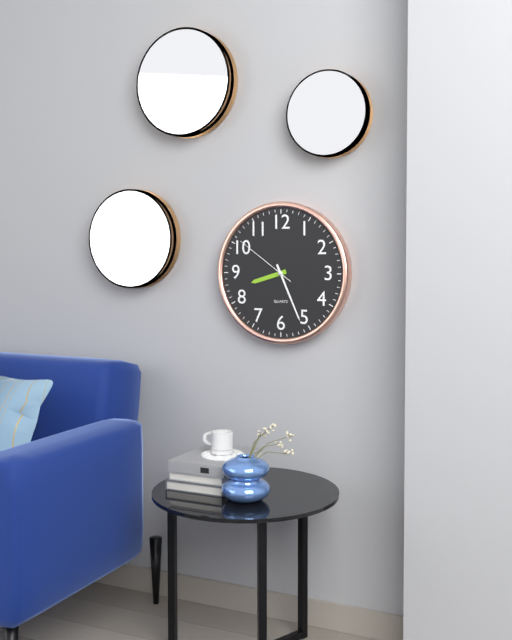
8:26:51
